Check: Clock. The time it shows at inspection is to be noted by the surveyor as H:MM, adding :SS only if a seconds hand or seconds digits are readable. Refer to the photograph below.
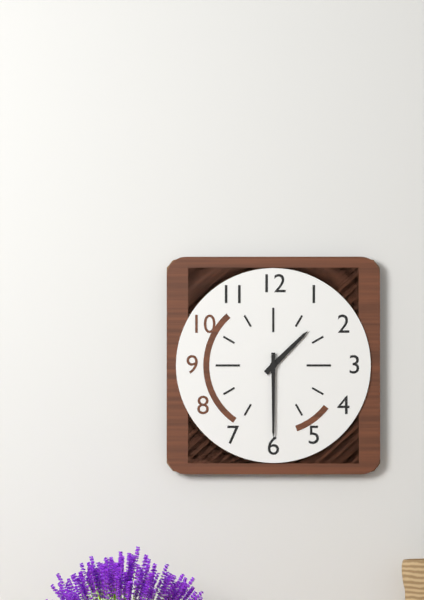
1:30
